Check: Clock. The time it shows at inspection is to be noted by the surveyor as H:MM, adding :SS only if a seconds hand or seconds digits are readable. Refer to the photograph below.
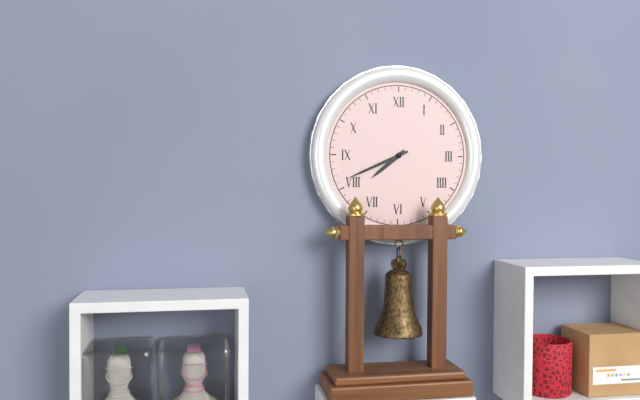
7:41
